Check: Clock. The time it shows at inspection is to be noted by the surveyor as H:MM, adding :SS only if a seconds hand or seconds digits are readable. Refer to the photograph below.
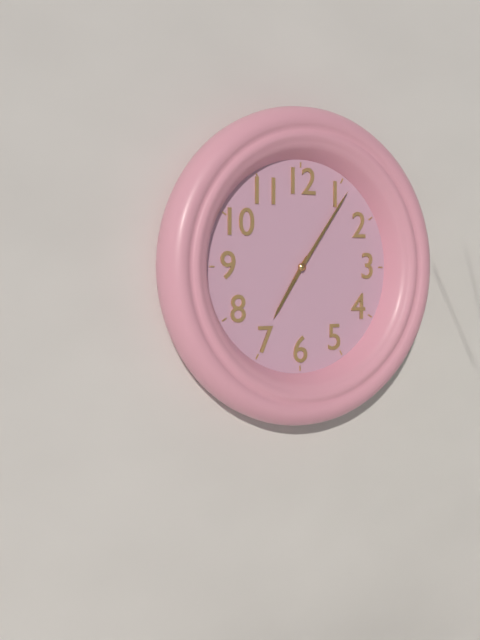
7:06
